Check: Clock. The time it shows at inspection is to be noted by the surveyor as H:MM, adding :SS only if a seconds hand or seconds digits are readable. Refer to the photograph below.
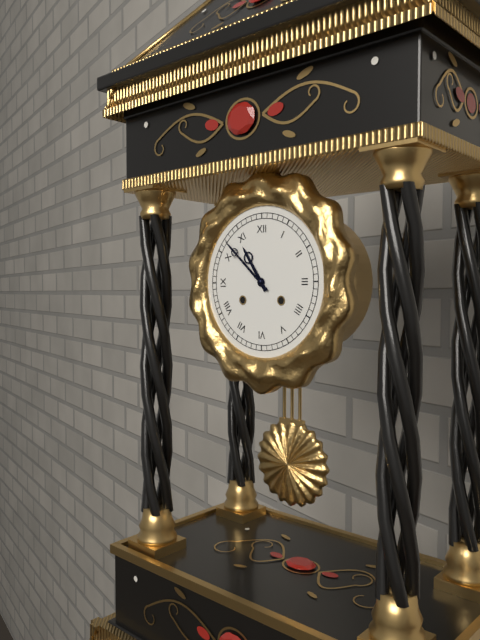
10:52
